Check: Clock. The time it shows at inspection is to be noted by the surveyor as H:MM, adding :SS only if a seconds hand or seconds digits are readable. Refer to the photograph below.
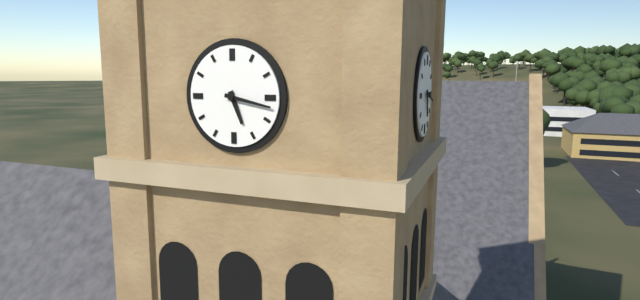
5:17
